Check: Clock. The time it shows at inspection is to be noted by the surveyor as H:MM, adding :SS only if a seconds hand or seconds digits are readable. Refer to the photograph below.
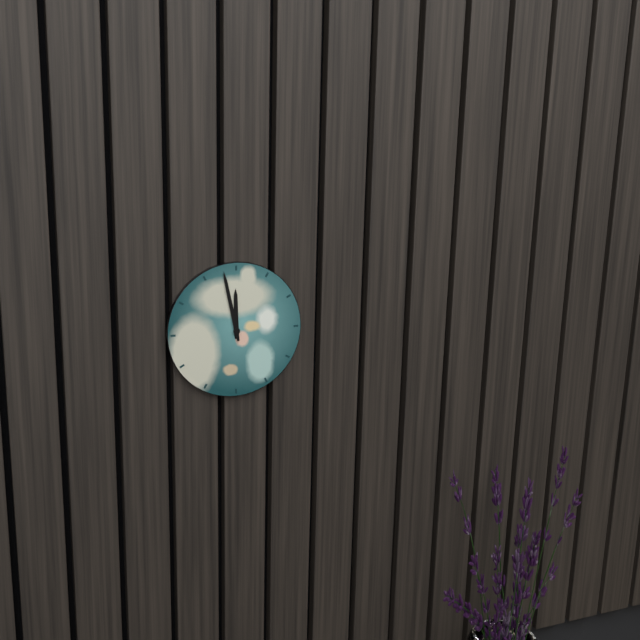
11:58
